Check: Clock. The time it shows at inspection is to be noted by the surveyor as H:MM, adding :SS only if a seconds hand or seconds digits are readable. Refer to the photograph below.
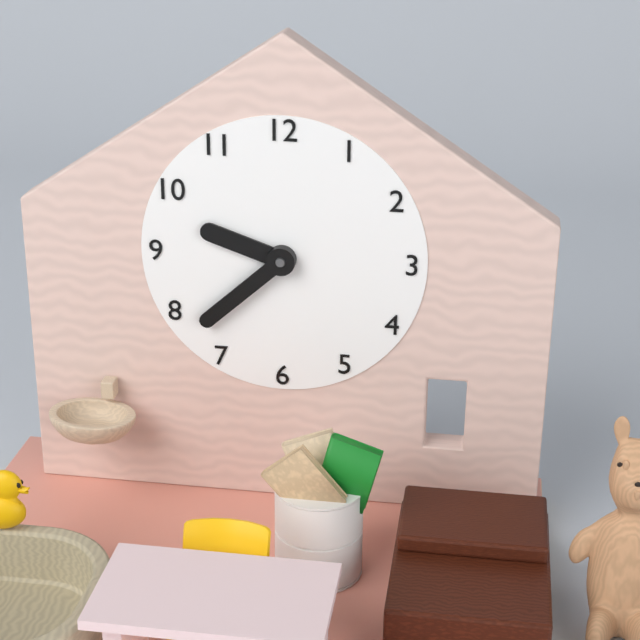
9:38
